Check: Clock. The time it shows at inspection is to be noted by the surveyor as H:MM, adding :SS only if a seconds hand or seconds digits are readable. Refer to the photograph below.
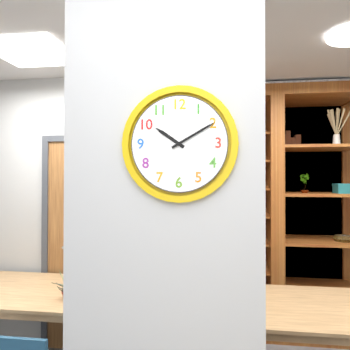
10:10
